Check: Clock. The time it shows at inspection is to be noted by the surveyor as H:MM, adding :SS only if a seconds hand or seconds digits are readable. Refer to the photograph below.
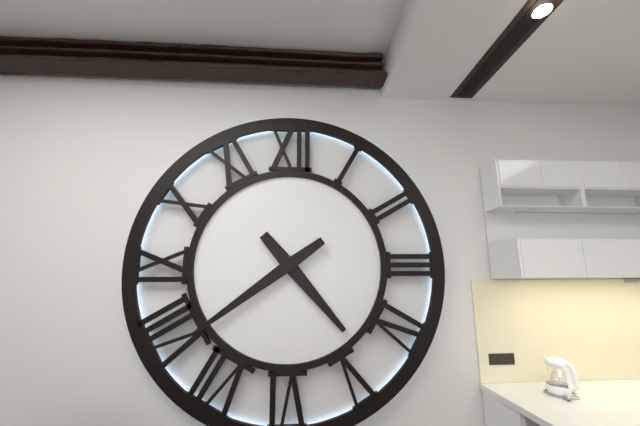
4:39
